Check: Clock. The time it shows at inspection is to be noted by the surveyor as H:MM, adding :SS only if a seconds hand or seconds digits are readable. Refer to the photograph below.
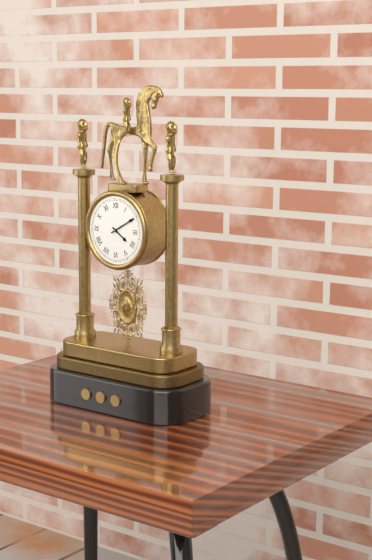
4:10
